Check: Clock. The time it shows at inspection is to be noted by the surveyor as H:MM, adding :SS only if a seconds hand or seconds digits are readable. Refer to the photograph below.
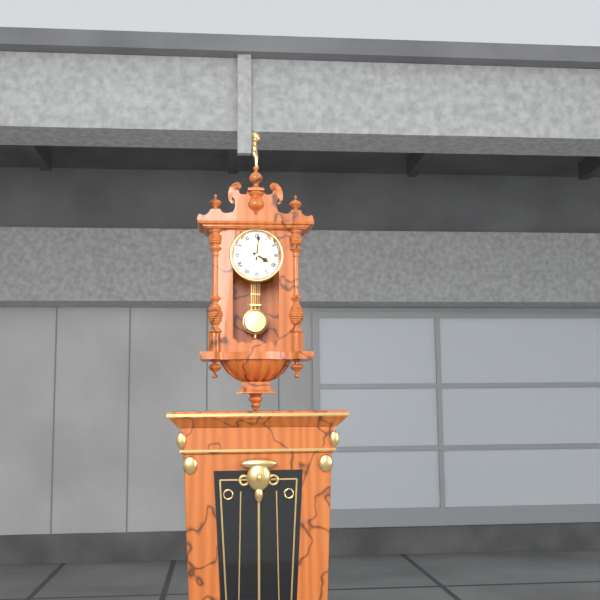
4:01
